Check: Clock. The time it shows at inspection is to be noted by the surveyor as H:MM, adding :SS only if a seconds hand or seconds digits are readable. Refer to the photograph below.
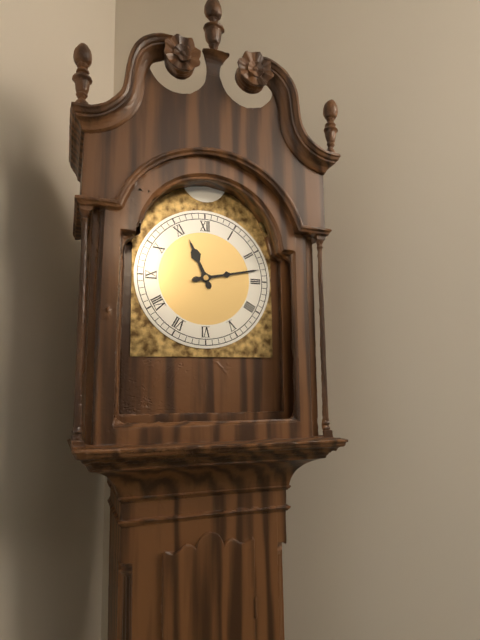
11:13
